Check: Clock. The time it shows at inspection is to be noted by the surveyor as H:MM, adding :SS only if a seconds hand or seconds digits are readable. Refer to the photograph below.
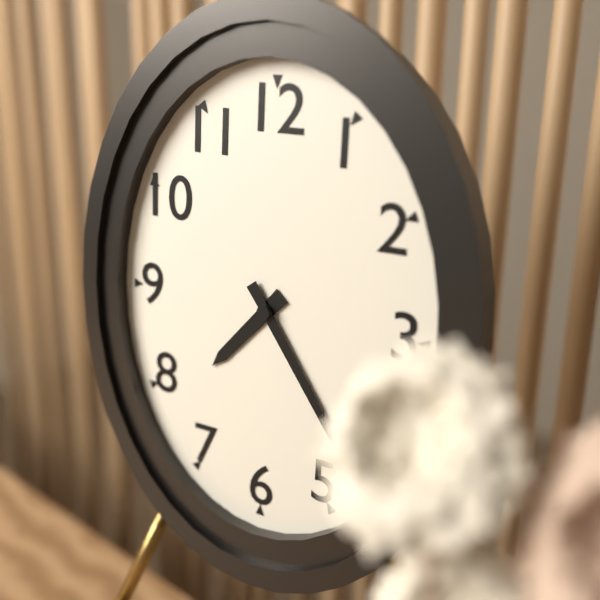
7:24
